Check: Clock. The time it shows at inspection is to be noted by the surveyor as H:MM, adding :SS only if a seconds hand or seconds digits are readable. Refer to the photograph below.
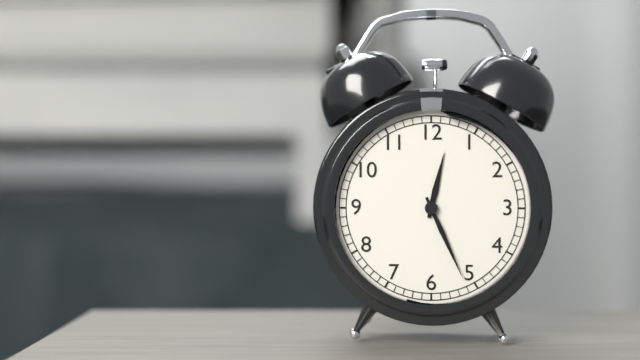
12:26
